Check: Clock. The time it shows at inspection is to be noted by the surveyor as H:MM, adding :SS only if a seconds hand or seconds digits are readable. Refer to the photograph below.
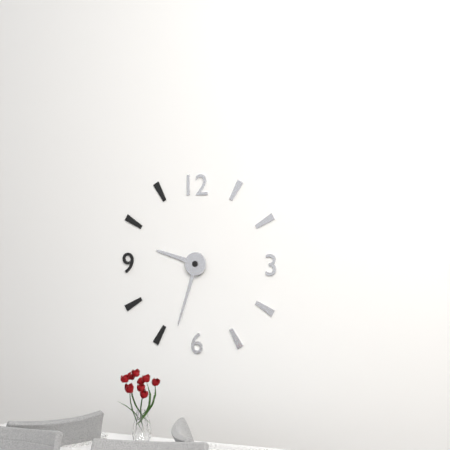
9:33
